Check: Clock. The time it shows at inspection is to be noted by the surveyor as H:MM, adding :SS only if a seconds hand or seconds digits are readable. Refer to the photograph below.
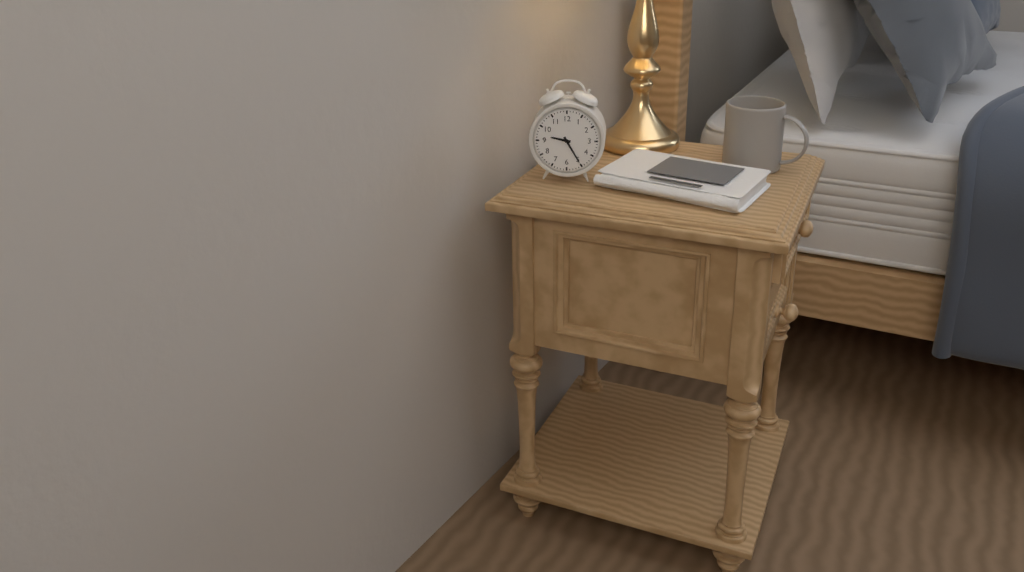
9:25
